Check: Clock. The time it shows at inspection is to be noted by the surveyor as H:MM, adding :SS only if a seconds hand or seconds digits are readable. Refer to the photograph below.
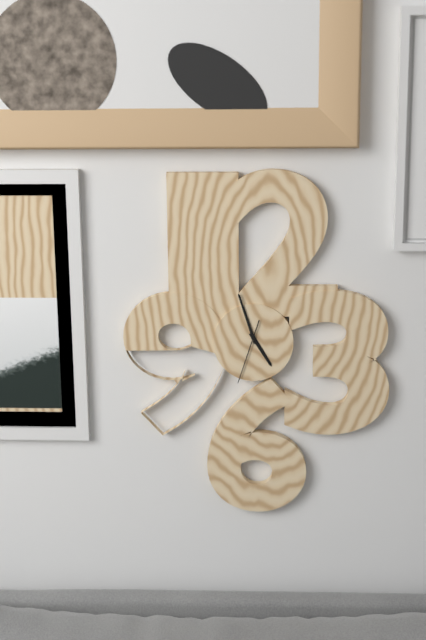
4:57:33
